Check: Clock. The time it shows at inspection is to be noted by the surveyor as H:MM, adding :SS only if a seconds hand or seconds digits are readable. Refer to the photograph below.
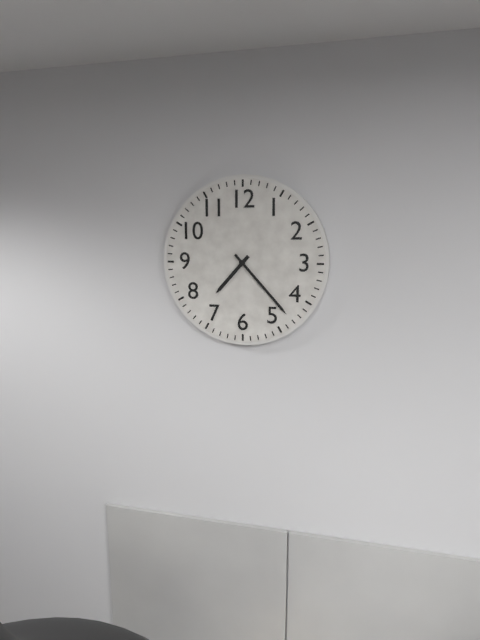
7:23
